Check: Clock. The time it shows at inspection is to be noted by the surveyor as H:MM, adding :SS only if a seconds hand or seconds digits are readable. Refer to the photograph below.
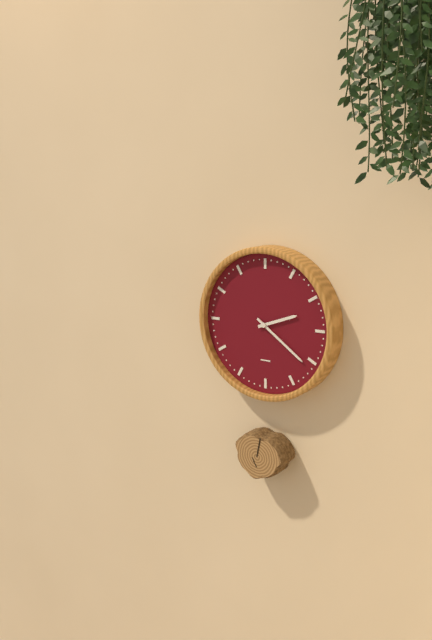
2:21
